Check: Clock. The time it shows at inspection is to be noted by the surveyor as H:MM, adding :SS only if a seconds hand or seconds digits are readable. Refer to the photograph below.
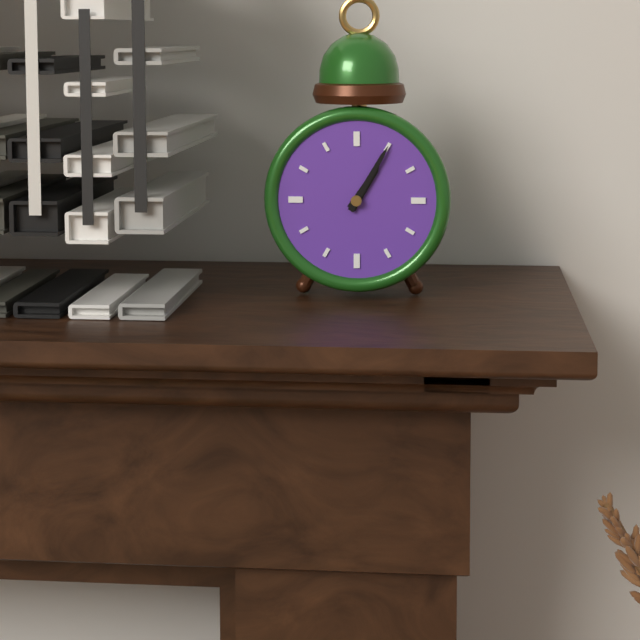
1:05
